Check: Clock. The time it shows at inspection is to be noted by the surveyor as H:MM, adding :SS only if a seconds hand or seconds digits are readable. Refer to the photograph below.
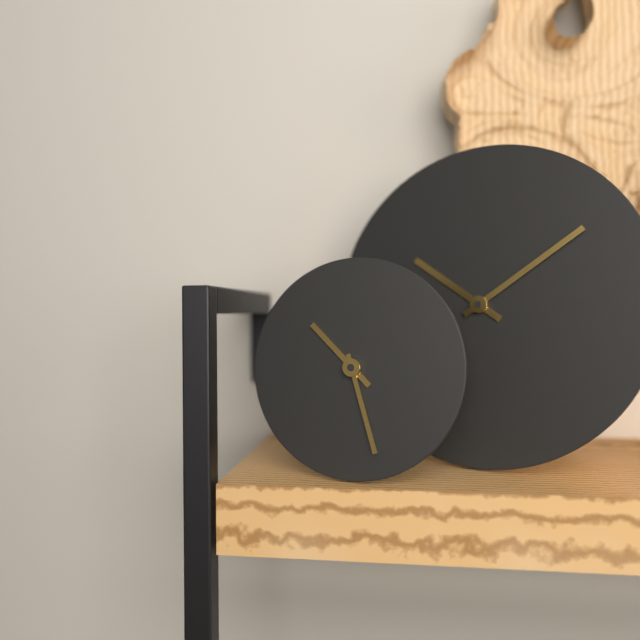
10:27
